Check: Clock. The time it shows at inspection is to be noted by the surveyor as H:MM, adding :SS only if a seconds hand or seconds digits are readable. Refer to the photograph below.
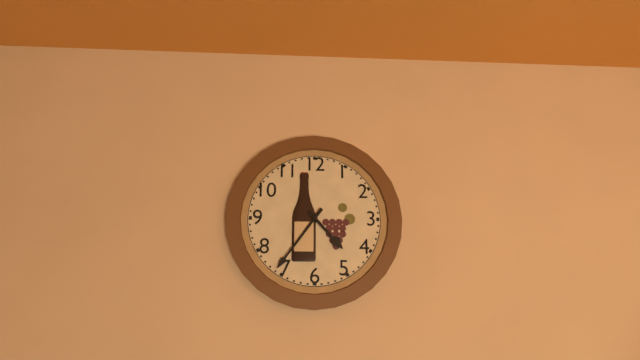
4:36
